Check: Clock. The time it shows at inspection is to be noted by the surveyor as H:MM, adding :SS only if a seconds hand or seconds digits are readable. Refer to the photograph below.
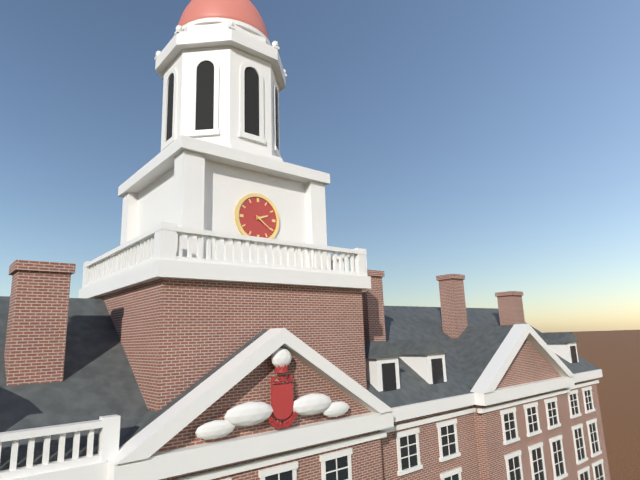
2:21
